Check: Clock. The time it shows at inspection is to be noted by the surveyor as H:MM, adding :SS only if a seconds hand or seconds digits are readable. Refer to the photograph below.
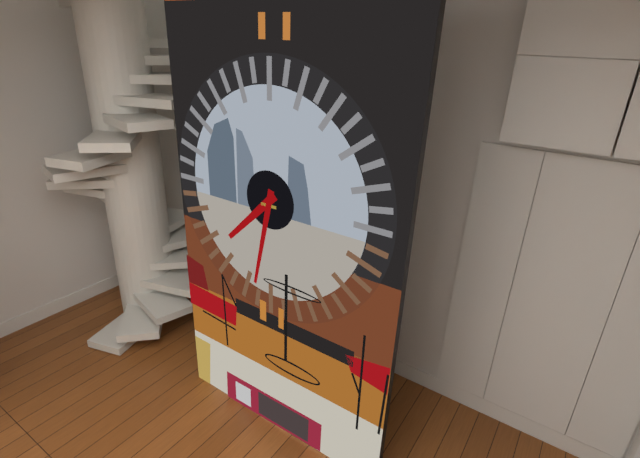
7:32
